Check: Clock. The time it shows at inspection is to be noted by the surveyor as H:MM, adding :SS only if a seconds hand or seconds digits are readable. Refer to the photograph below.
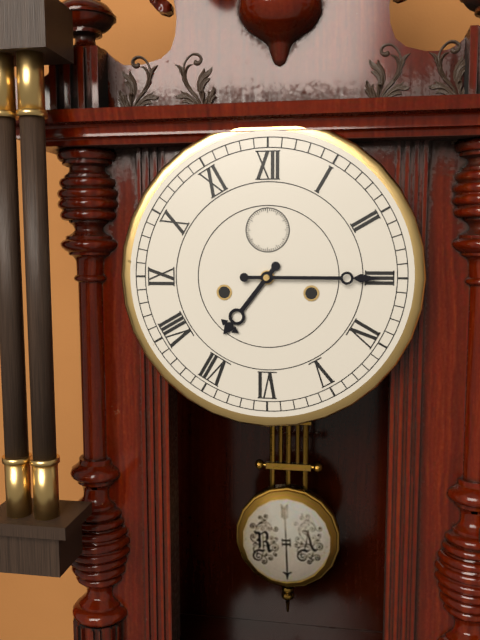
7:15
